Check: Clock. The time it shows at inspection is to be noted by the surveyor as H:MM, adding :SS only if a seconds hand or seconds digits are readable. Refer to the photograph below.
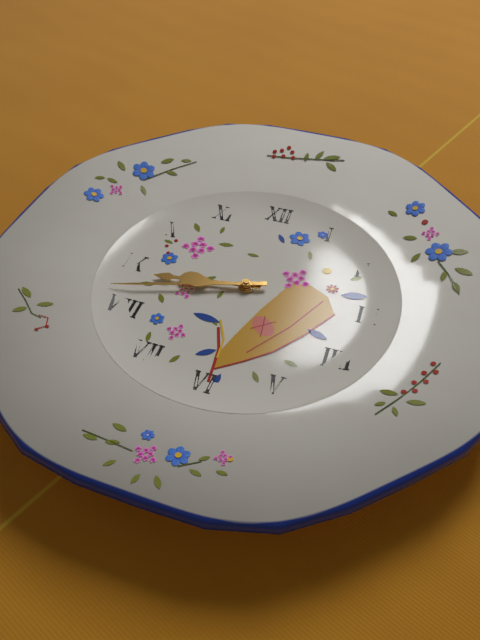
8:42
